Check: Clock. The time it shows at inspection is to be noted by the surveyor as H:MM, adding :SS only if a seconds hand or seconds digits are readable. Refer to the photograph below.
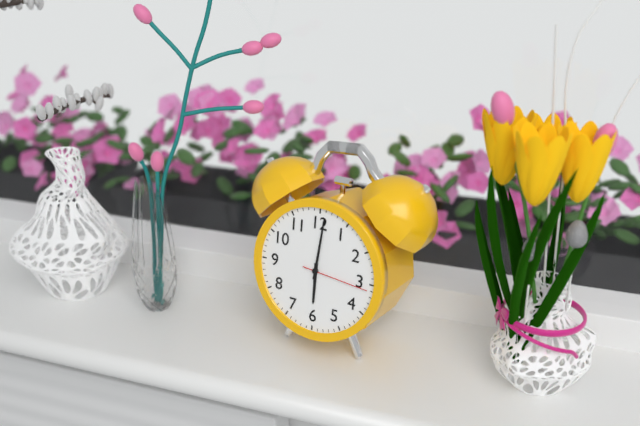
6:01:16
